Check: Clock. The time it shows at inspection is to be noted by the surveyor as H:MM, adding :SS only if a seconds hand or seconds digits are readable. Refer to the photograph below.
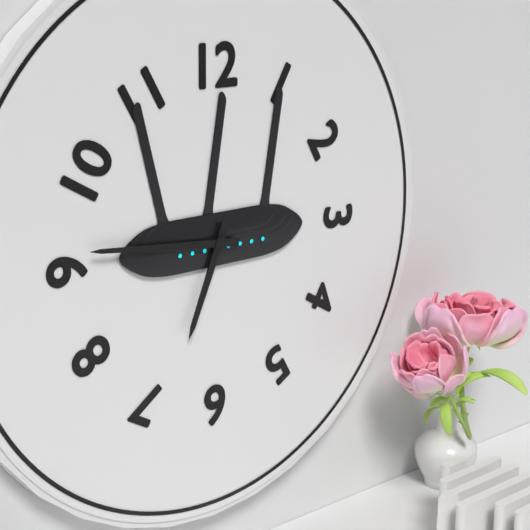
6:46
